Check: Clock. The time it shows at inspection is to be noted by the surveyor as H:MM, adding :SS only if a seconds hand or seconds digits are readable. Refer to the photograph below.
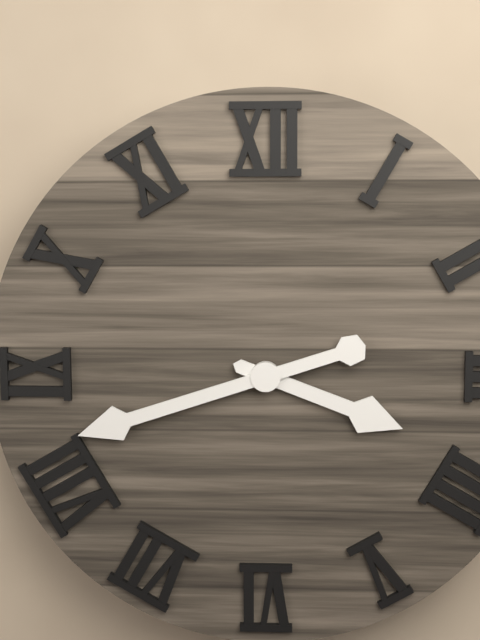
3:42
